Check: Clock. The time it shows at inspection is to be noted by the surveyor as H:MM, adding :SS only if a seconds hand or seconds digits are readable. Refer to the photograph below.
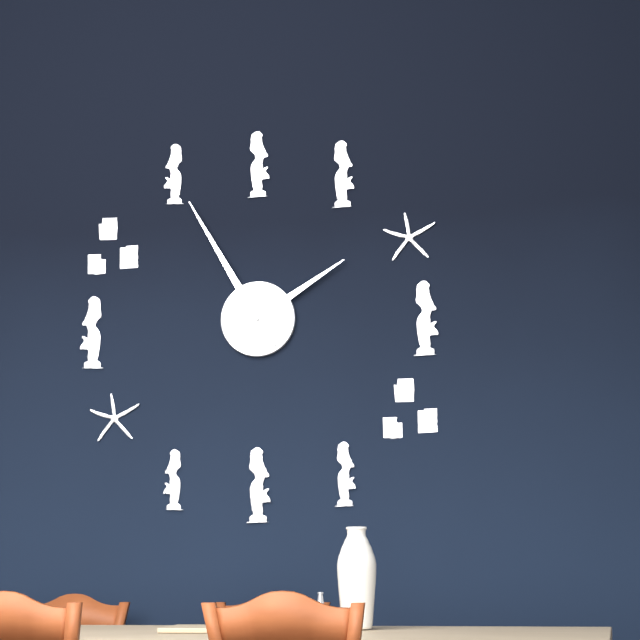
1:55
